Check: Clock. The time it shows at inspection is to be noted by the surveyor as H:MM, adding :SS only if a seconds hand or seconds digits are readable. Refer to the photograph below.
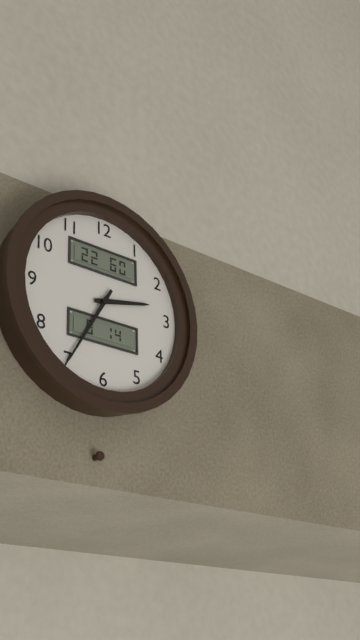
2:35
